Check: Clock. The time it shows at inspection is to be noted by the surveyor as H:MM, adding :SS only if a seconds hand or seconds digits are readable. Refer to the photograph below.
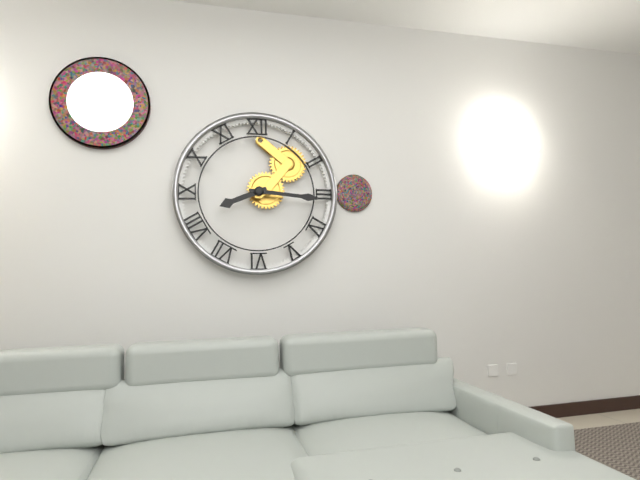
8:16
